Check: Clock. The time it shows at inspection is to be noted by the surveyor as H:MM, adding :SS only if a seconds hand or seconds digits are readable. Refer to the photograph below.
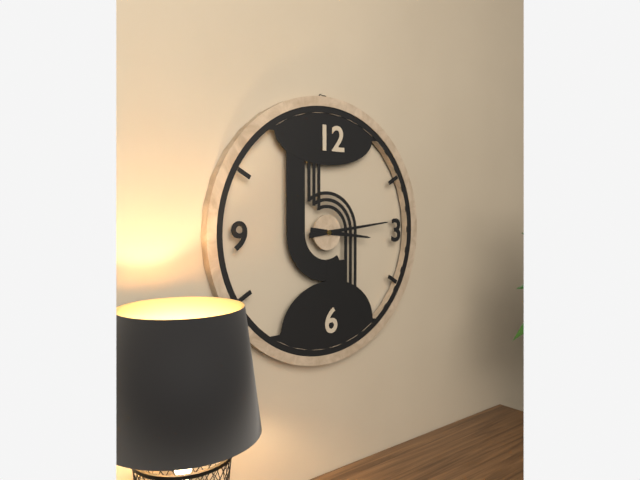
3:14
